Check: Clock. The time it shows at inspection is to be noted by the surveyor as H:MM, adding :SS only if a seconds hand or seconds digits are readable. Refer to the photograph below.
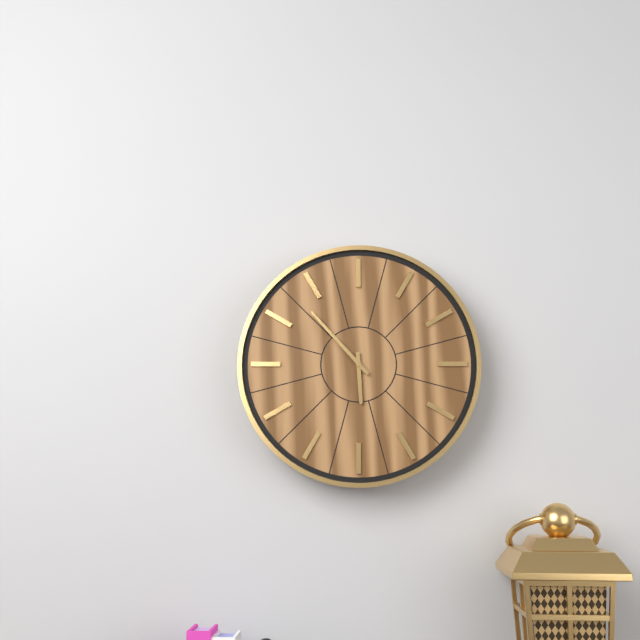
5:53
